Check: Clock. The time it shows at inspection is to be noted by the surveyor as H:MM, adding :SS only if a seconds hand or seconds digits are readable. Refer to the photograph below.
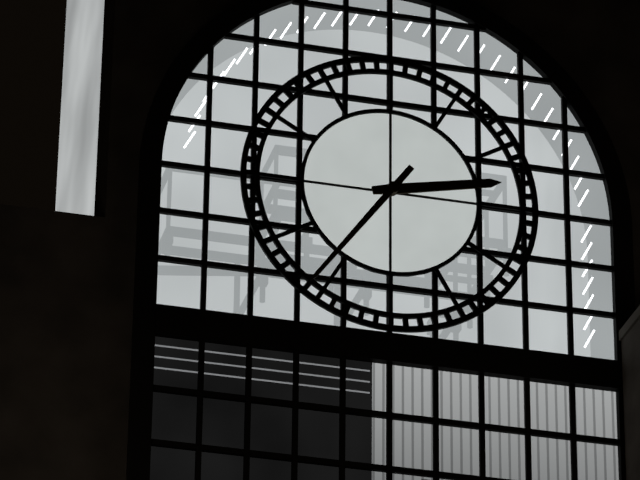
2:36
